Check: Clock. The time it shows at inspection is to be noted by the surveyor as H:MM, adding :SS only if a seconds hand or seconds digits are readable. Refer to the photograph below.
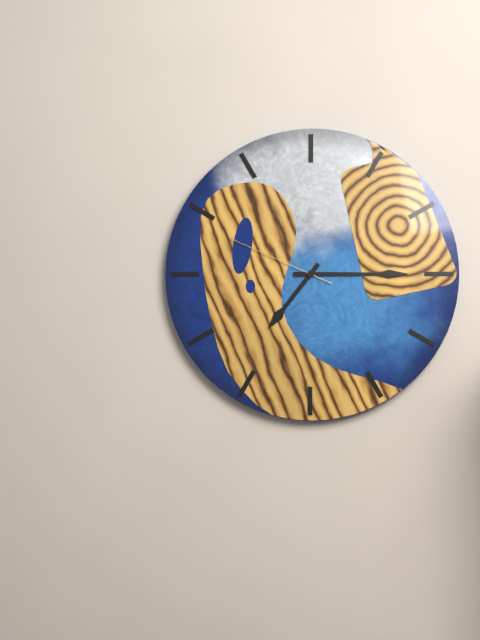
7:15:49
